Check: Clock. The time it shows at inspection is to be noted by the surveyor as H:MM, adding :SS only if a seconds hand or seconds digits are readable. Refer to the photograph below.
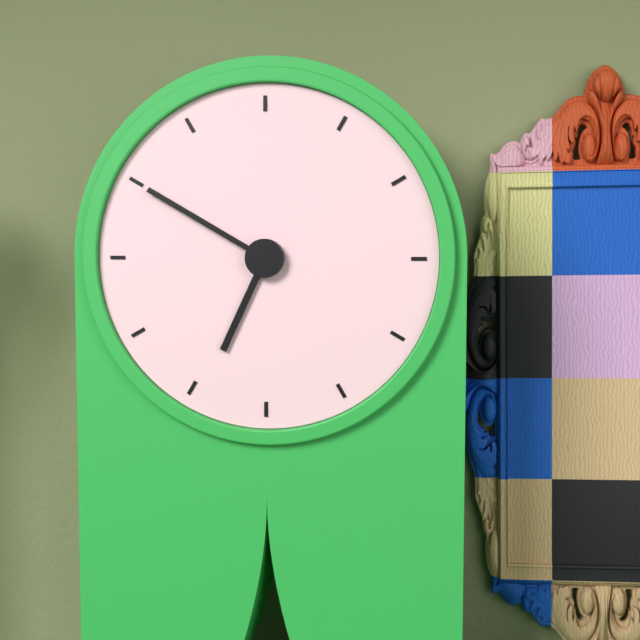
6:50
